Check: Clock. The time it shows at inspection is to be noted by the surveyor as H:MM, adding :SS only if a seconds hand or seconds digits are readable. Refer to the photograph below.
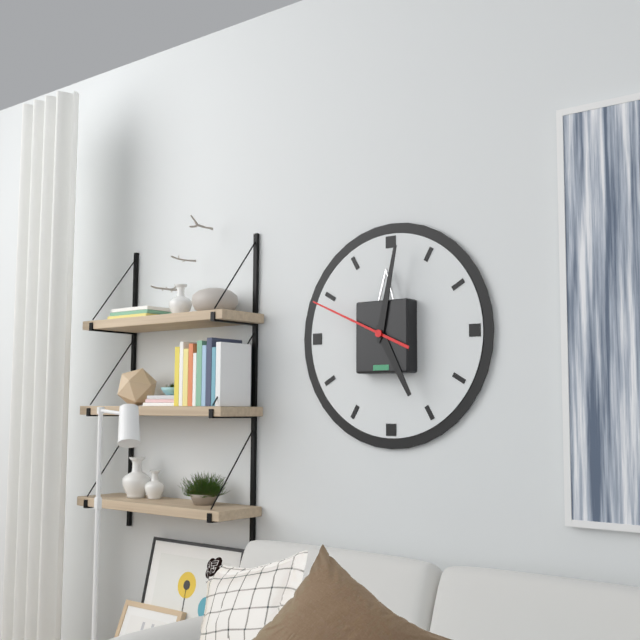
5:02:49
